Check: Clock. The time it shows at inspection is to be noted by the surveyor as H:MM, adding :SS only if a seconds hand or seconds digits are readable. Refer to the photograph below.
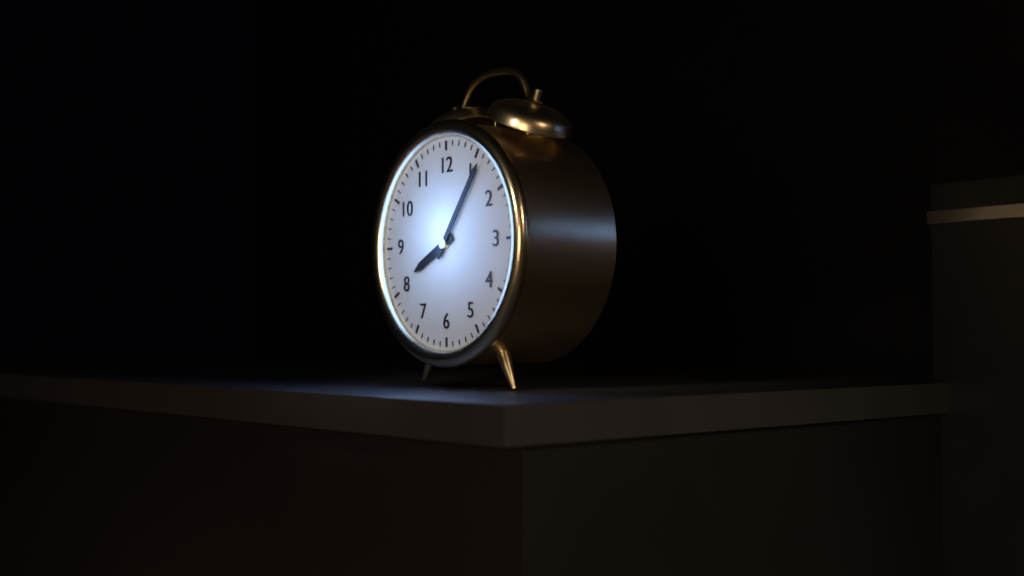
8:06
